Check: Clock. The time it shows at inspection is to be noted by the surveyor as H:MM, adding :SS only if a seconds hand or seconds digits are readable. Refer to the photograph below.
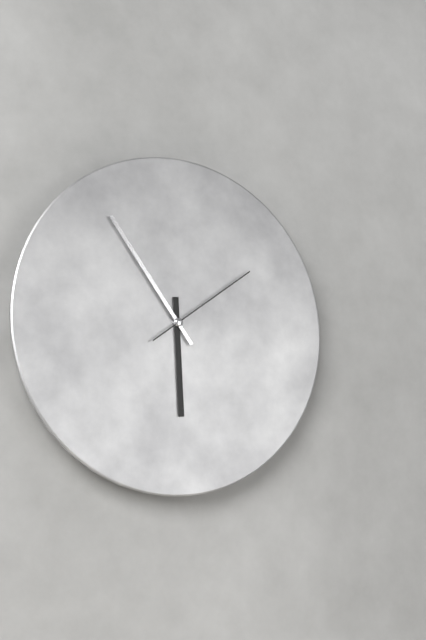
5:54:09
